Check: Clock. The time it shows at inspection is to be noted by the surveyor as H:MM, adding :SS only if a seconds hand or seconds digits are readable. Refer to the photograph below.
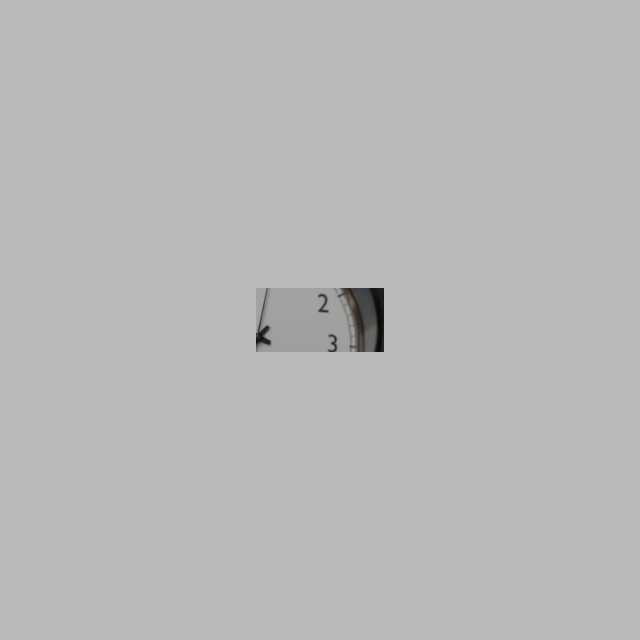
9:37:02
